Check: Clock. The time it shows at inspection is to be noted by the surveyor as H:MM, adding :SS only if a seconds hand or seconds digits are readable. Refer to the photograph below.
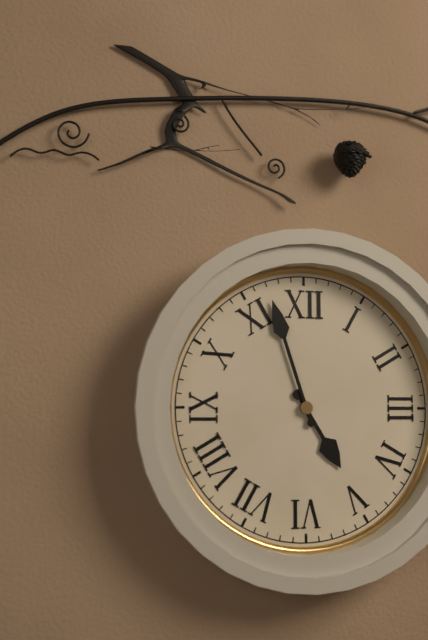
4:57
